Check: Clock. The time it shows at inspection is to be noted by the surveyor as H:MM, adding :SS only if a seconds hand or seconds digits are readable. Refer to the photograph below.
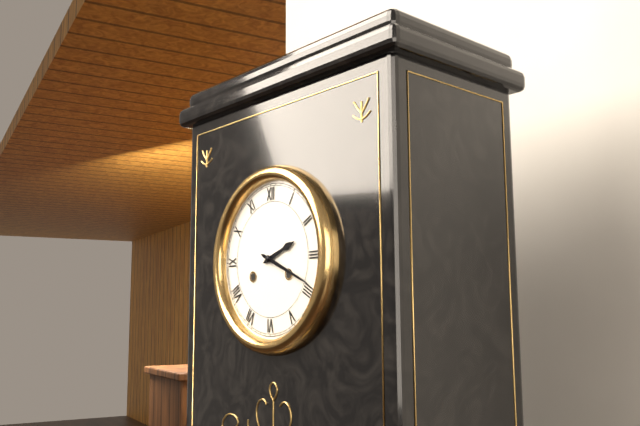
2:19
